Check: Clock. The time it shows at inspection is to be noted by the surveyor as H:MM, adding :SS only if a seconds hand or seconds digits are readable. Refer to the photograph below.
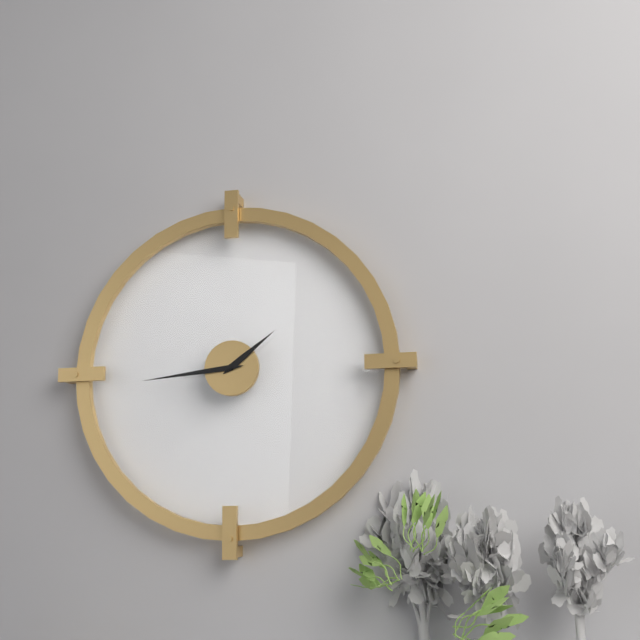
1:44
